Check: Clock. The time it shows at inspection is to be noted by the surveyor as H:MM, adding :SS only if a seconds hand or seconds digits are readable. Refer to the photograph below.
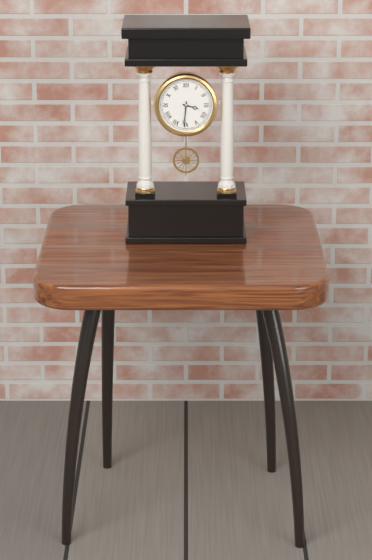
3:31
